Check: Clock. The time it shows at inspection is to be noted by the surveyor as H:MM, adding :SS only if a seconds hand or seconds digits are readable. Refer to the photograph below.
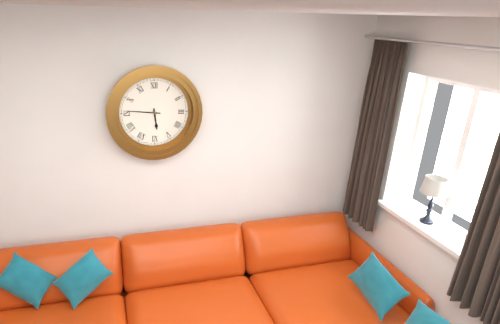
5:46
